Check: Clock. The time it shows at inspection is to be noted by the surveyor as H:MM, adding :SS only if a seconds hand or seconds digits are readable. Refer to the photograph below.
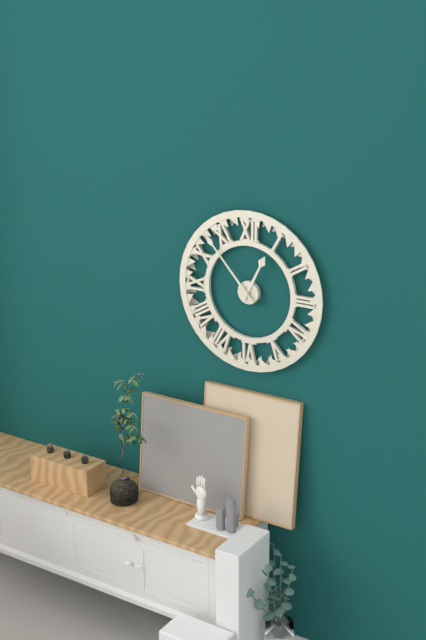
12:53
